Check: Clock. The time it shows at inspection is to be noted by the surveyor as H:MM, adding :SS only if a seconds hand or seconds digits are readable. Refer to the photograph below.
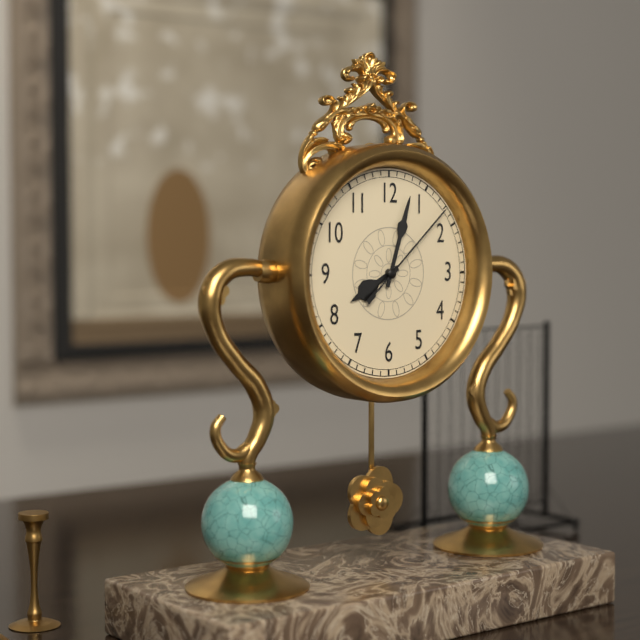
8:03:08
